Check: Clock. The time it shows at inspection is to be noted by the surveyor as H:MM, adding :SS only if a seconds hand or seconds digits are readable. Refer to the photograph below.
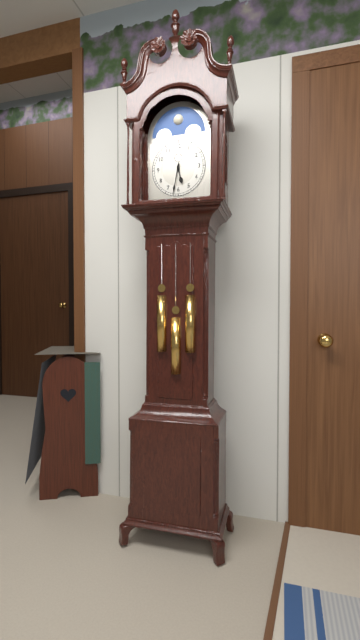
5:32
